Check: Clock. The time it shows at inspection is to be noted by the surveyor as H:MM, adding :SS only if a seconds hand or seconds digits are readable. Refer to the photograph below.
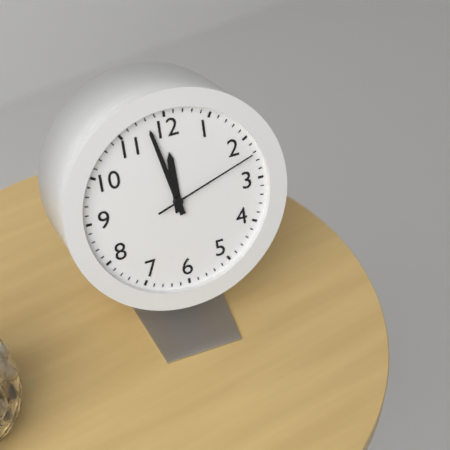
11:58:12
